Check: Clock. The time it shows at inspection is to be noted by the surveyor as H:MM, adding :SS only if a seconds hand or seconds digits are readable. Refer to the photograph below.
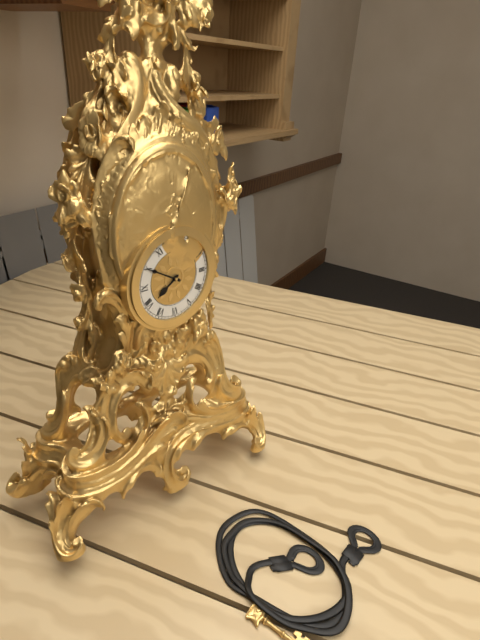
7:50
